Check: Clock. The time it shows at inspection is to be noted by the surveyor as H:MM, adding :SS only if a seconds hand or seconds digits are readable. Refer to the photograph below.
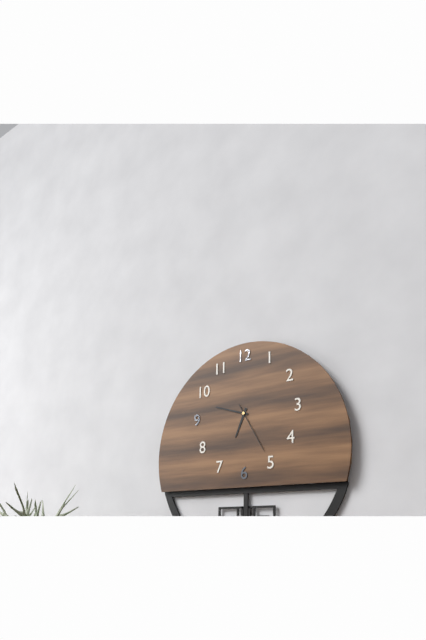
6:48:25
